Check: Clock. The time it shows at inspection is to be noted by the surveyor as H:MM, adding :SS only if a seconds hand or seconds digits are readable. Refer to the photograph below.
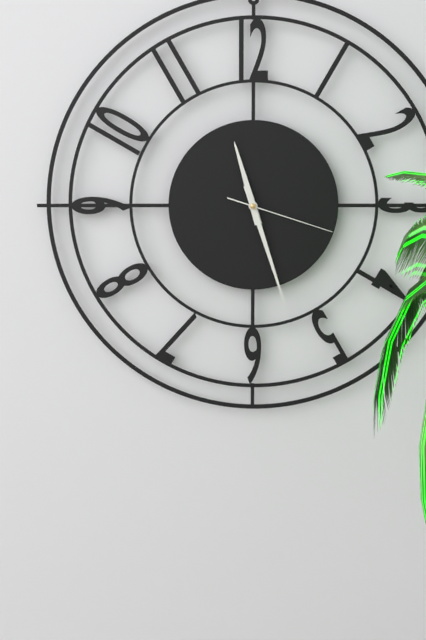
11:27:18
